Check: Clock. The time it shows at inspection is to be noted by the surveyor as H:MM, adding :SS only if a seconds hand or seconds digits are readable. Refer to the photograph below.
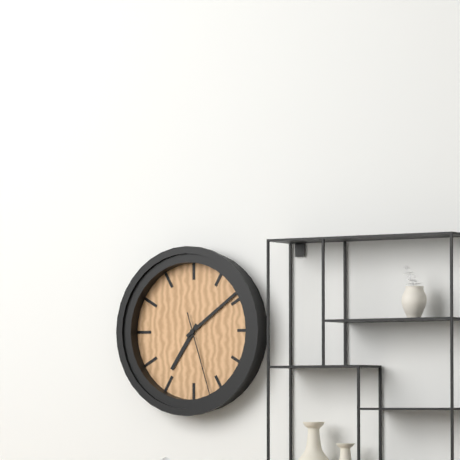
7:09:27
